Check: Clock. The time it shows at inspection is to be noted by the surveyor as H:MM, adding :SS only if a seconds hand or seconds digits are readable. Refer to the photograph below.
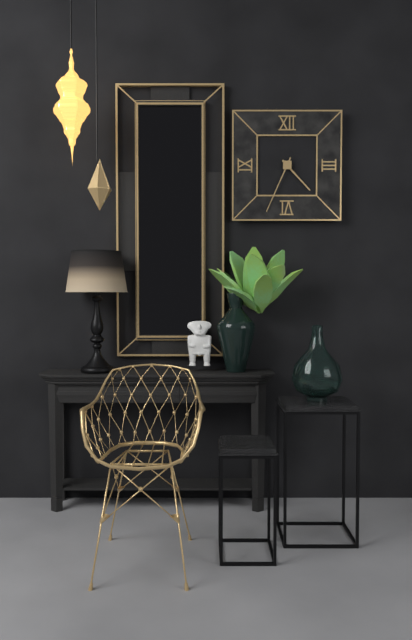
4:34
